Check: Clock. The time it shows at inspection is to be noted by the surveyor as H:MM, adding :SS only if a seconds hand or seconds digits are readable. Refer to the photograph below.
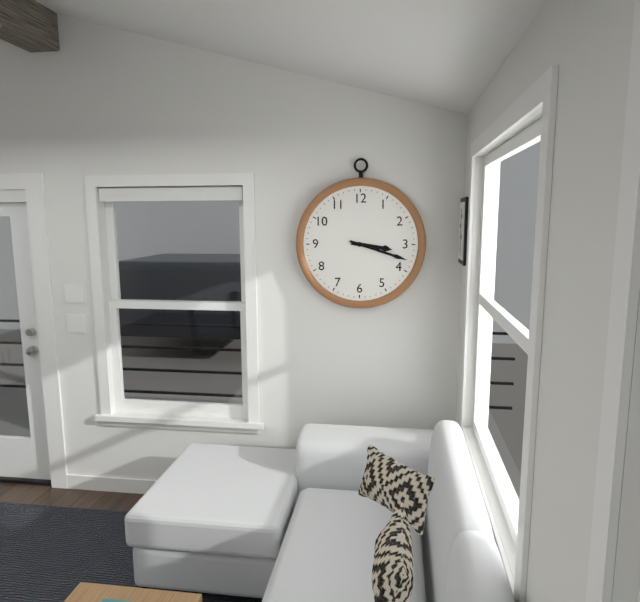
3:18
